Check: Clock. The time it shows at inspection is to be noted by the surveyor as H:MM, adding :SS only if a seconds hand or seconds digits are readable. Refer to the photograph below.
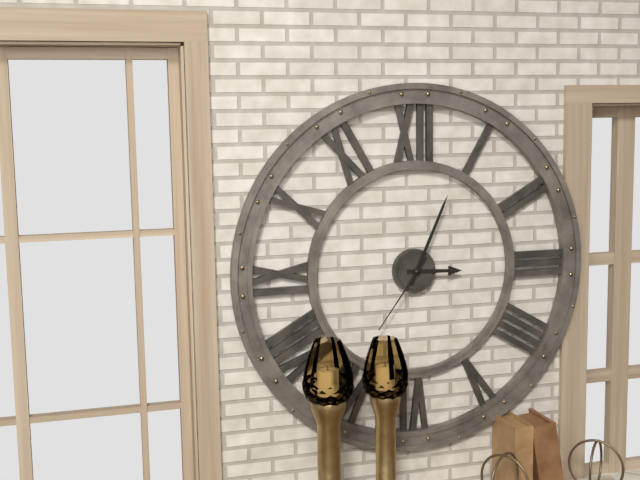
3:04:36
